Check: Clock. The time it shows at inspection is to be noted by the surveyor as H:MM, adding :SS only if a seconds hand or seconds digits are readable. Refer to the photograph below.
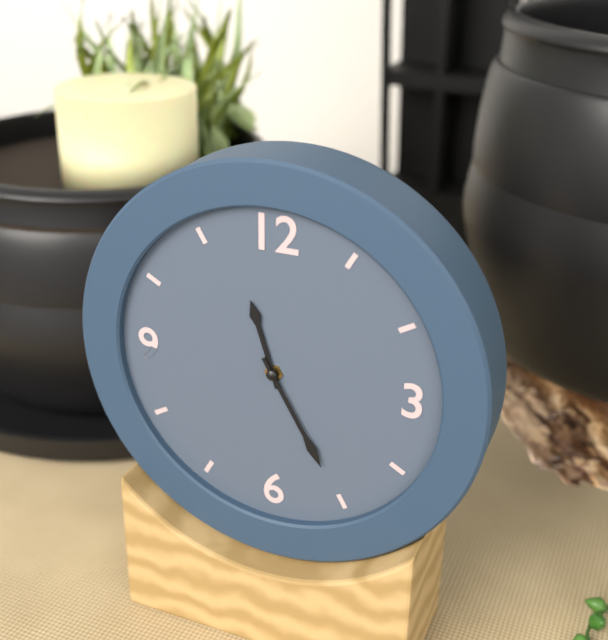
11:25
